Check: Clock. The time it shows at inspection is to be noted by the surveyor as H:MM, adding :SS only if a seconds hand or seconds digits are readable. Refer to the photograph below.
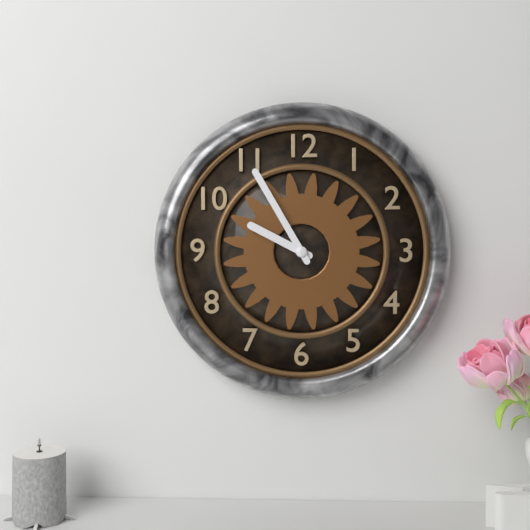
9:55
